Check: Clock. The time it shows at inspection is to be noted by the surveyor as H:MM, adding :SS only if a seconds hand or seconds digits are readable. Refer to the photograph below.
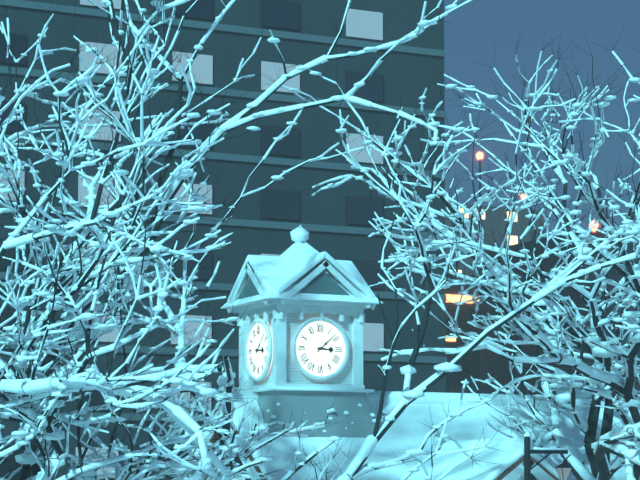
3:08
